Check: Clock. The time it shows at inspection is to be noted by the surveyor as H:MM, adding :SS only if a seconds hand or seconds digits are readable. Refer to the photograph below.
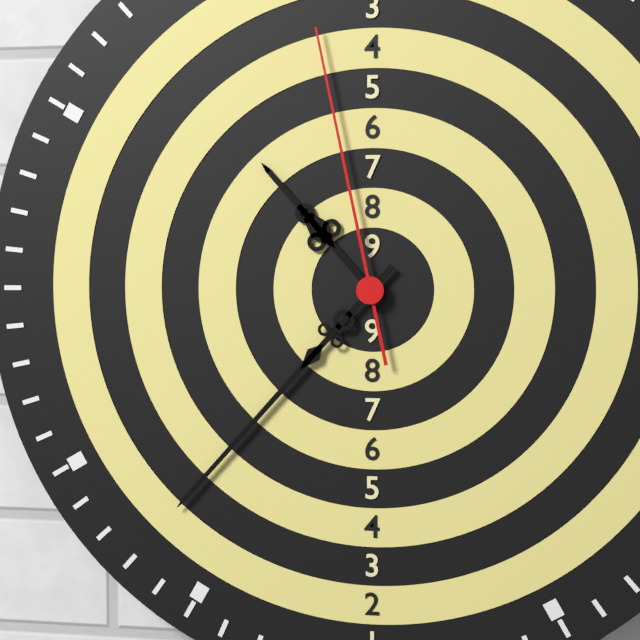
10:37:58
